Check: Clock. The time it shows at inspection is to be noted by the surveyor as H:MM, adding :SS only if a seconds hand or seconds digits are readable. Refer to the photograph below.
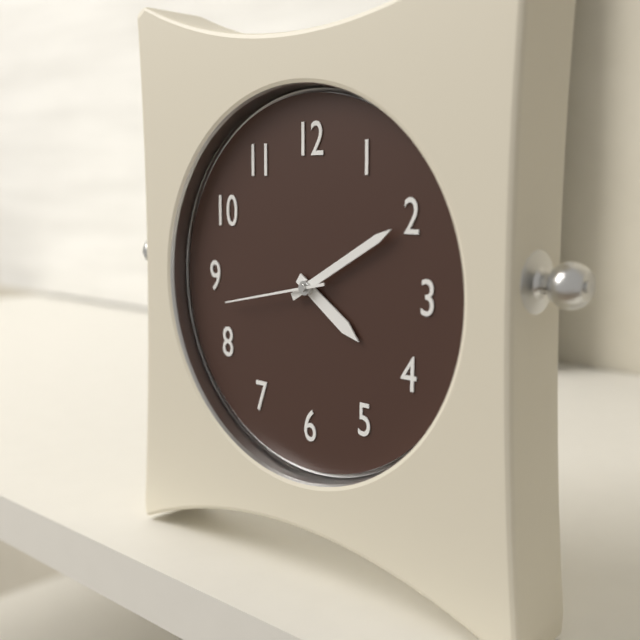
4:10:43
